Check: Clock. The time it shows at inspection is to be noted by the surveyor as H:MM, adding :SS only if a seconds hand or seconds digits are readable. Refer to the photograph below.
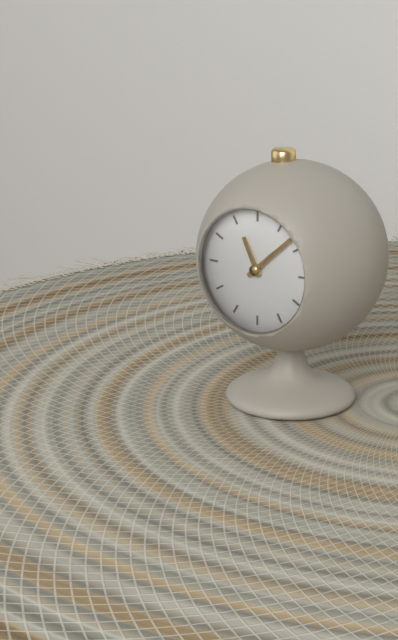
11:08
